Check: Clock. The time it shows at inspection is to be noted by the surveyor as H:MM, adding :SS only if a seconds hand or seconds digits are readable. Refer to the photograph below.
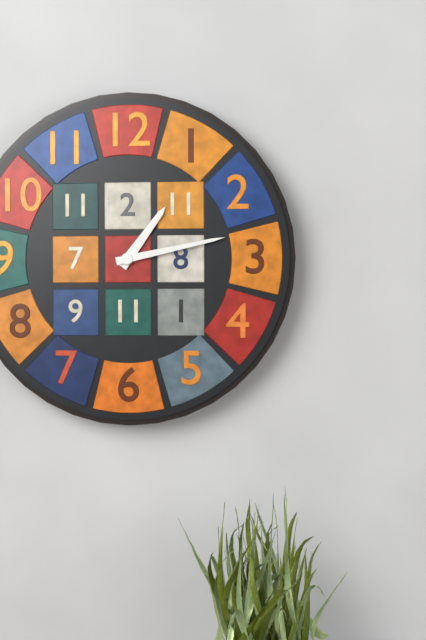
1:13
